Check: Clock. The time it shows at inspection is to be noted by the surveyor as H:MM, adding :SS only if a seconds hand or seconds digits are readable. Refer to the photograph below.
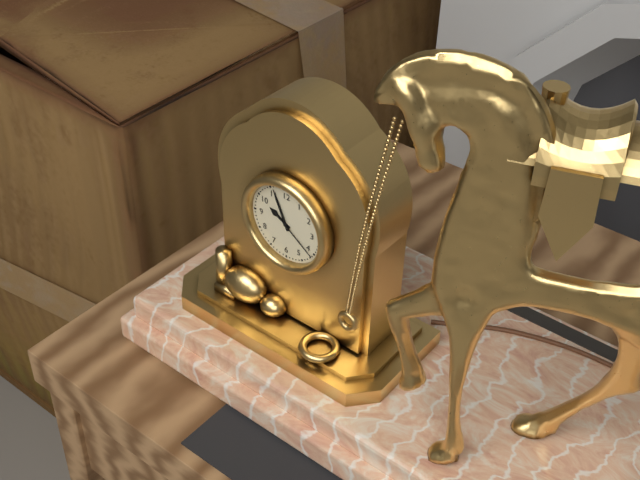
9:56:21
